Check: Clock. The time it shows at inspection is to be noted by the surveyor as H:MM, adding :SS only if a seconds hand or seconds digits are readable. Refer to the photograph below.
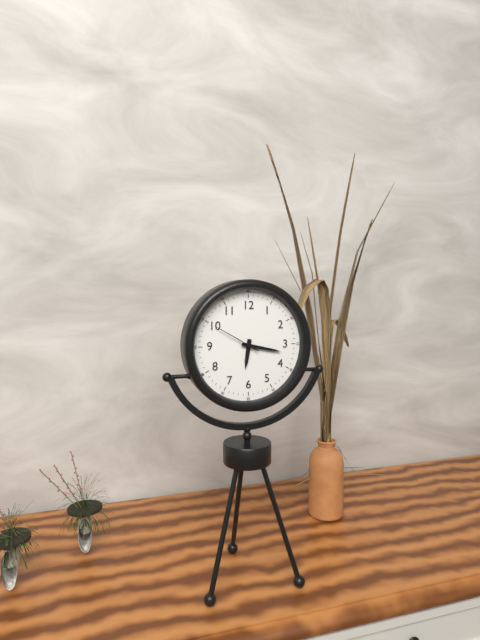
6:17
